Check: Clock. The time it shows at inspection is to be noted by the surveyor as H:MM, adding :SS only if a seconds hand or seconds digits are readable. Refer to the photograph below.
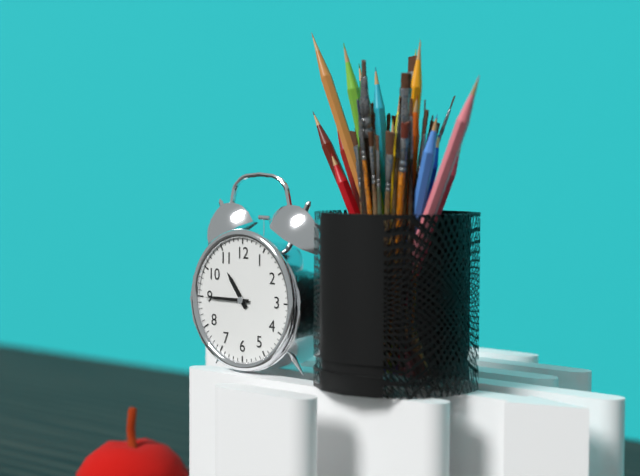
10:45
